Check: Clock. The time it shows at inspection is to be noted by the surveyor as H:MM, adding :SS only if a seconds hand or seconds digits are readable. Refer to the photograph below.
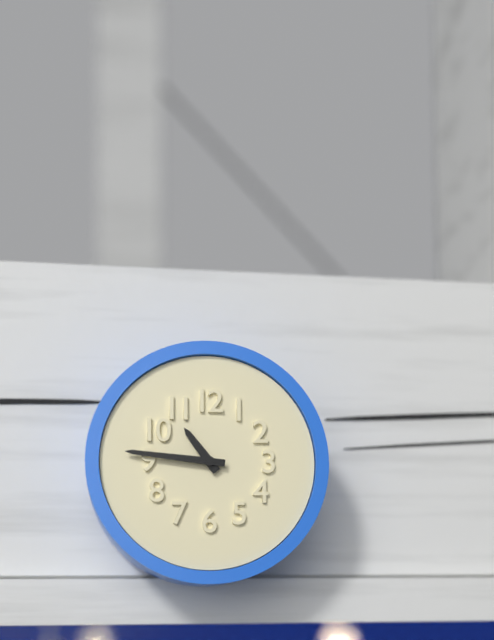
10:46
